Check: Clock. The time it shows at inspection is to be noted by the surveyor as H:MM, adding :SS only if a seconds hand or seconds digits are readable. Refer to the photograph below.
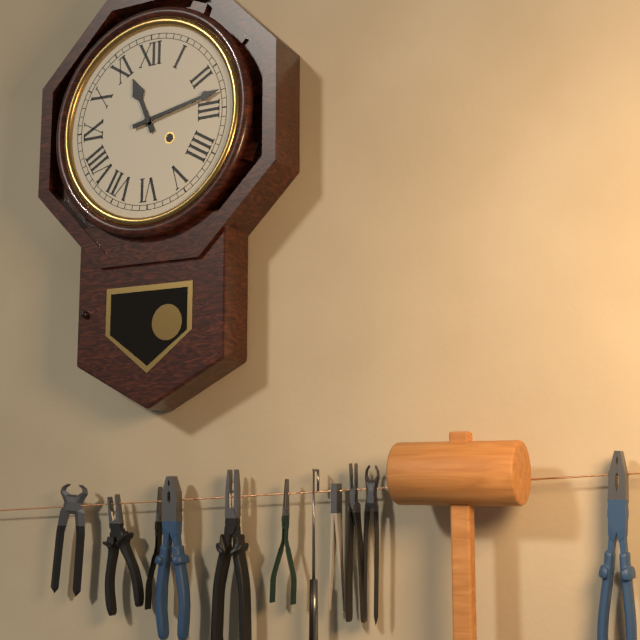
11:13
